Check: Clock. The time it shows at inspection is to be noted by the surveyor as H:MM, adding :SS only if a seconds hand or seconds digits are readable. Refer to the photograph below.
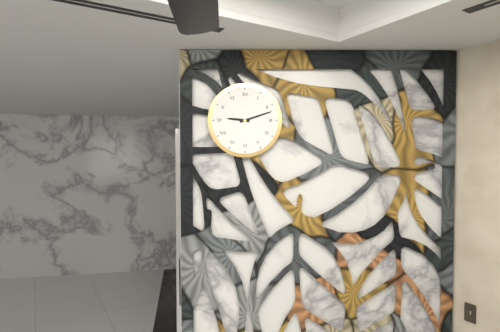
9:12
